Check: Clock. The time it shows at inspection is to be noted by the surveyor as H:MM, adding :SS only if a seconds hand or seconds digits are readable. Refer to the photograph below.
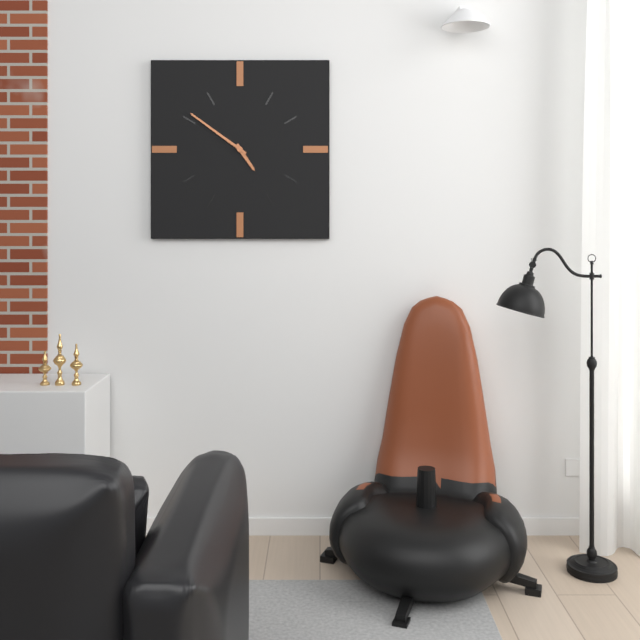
4:51
